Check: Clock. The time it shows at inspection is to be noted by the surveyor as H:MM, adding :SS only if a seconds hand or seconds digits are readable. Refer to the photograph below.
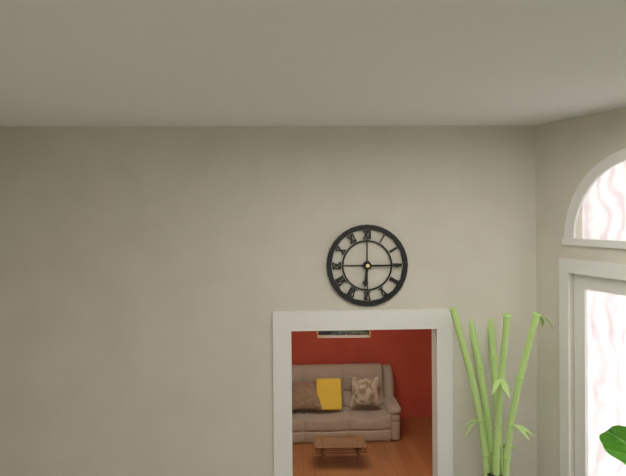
6:15
